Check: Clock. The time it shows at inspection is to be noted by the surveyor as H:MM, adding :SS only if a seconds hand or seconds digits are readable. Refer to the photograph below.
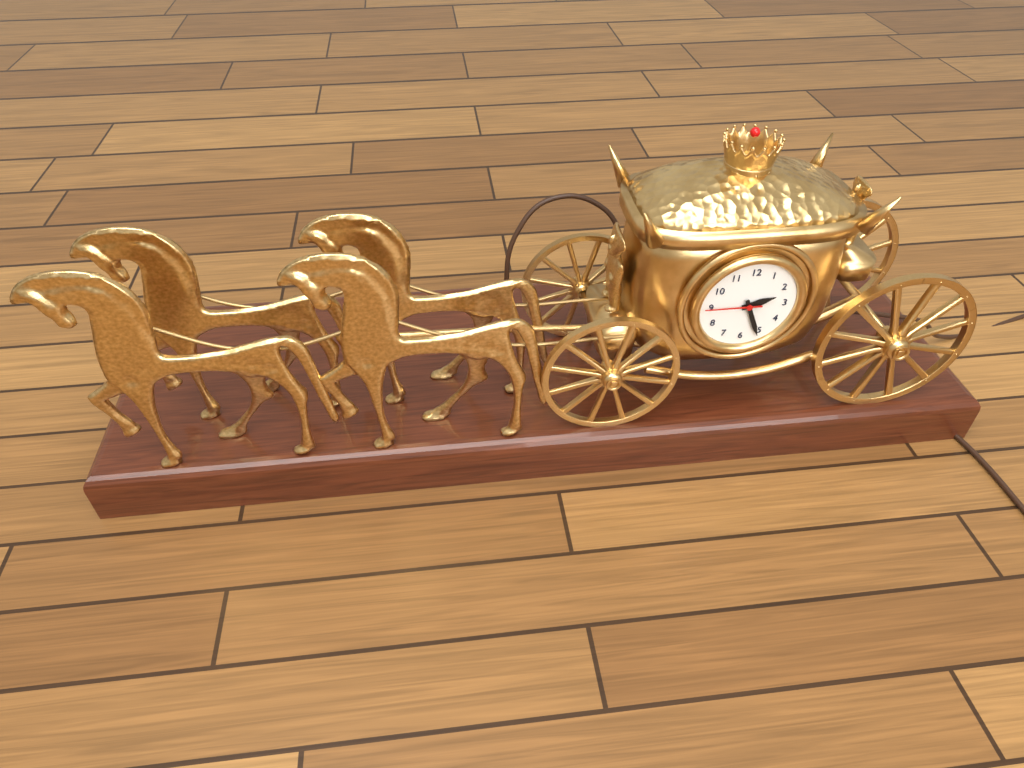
2:26:45
